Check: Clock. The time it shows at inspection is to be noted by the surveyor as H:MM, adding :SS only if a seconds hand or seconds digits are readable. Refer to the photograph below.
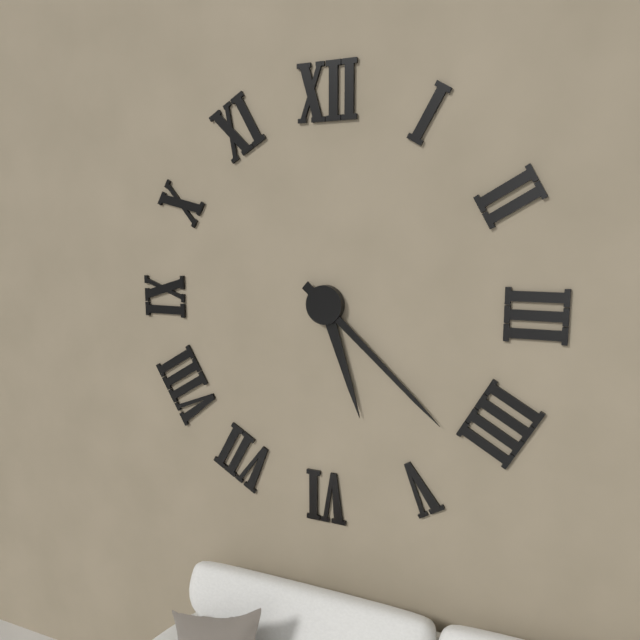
5:22
